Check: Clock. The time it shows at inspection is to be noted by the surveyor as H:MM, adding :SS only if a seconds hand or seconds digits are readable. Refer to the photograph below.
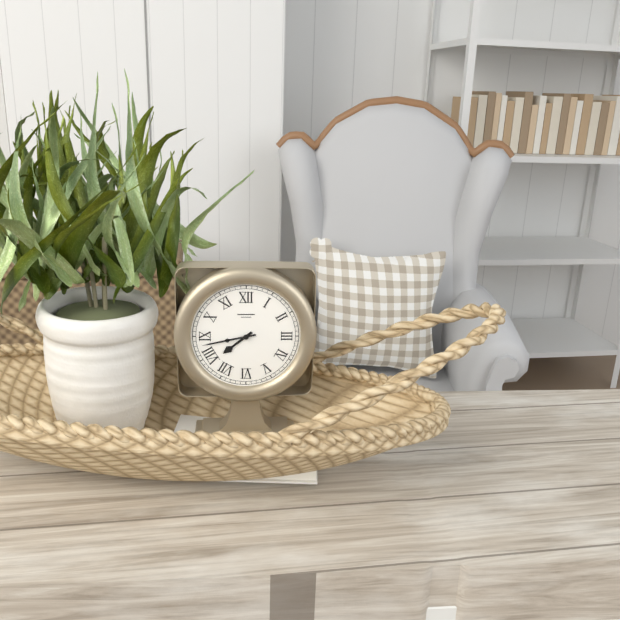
7:43
